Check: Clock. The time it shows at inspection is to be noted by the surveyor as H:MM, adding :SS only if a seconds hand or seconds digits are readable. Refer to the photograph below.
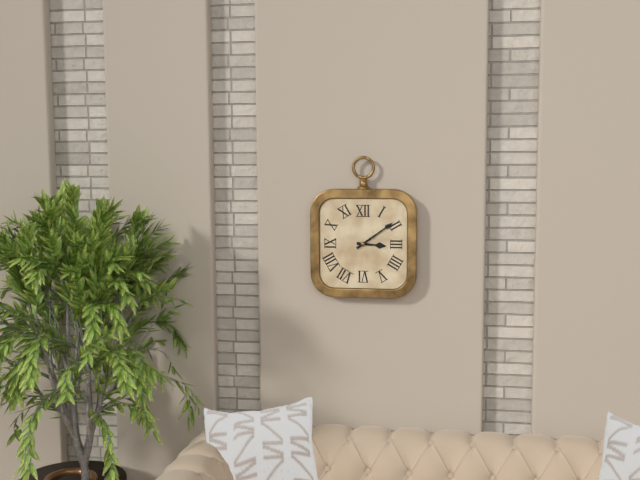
3:09
